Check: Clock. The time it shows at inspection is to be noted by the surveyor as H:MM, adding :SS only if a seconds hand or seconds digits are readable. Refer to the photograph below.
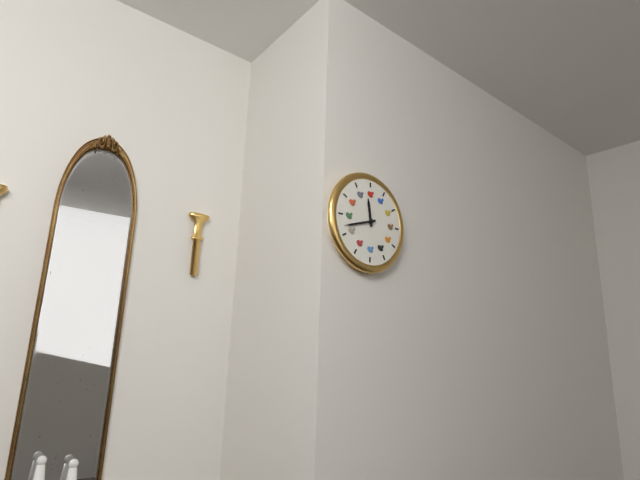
11:42
